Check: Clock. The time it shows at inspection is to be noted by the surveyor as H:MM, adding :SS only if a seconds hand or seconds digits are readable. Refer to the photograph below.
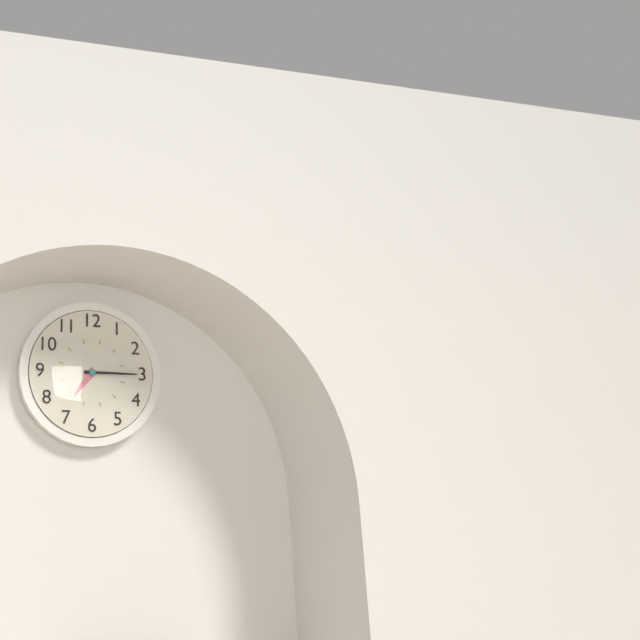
7:15
